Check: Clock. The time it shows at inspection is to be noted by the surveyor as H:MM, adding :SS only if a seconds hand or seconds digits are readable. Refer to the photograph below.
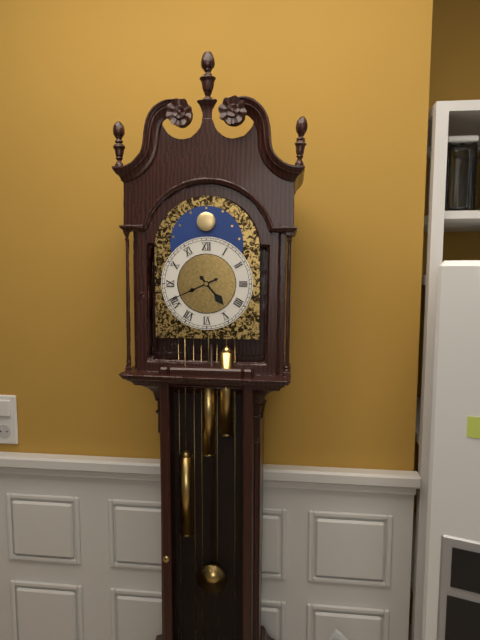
4:41
